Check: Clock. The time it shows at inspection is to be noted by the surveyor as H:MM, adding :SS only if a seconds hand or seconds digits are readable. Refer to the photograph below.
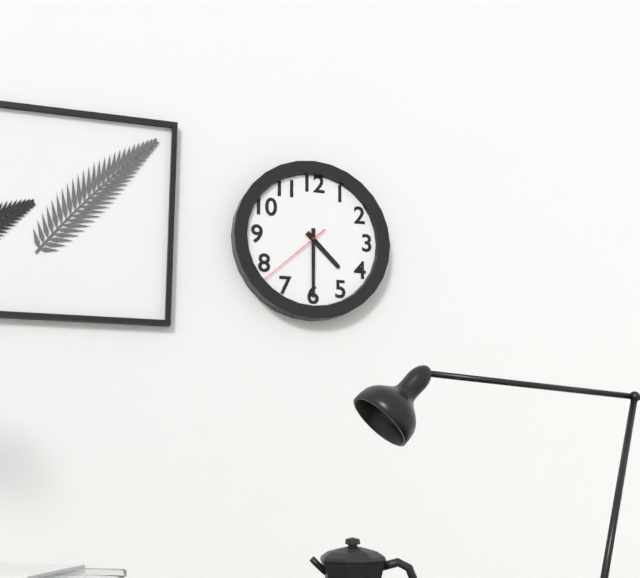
4:30:38
